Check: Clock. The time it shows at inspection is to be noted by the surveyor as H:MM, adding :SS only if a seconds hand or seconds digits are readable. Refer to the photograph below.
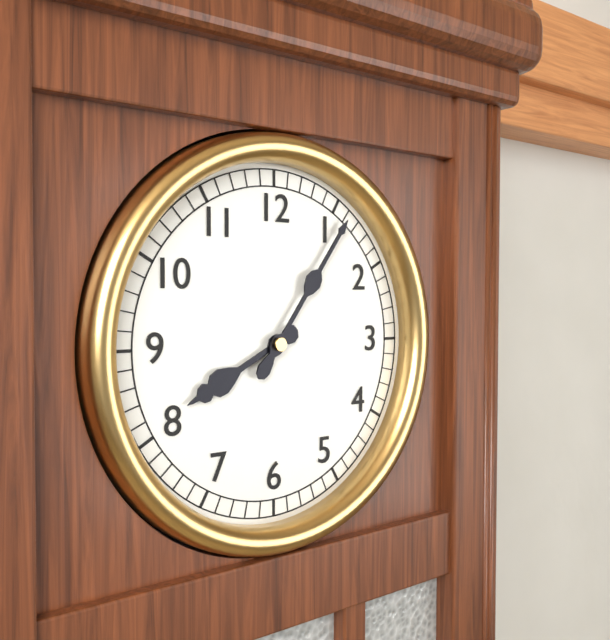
8:06
